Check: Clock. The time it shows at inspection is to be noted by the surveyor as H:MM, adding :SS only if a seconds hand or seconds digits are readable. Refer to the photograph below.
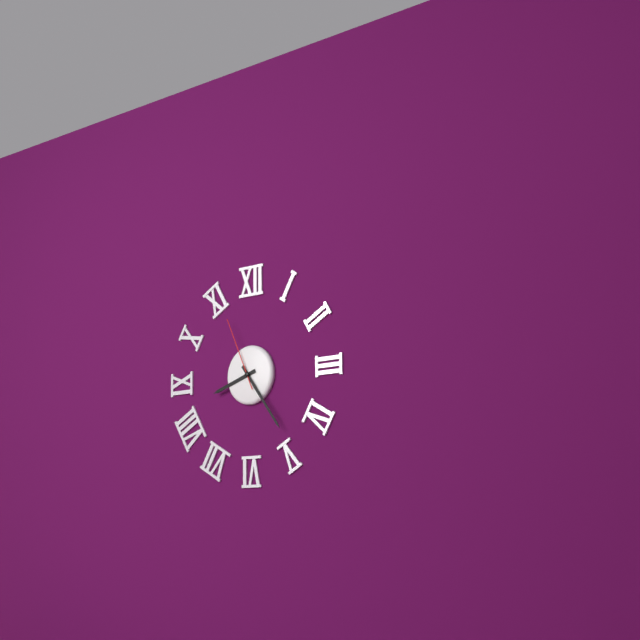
8:24:56
